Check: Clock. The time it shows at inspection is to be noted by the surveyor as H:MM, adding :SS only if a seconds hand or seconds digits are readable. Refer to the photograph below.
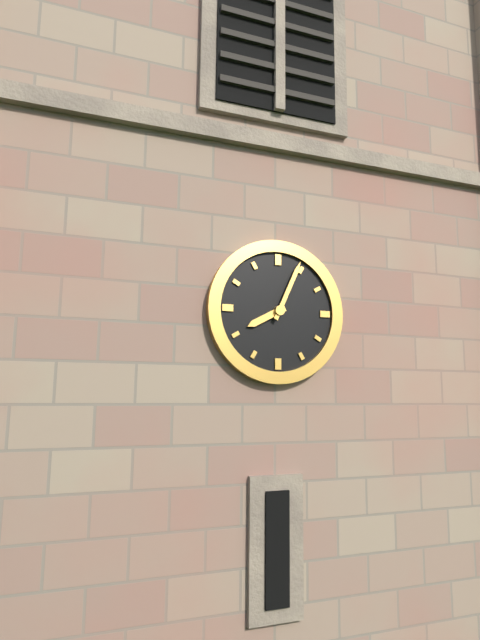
8:04
